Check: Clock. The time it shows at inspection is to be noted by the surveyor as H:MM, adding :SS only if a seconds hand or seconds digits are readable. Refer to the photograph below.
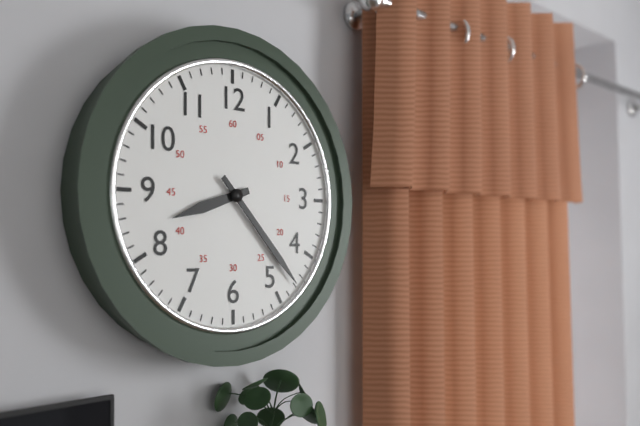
8:23
